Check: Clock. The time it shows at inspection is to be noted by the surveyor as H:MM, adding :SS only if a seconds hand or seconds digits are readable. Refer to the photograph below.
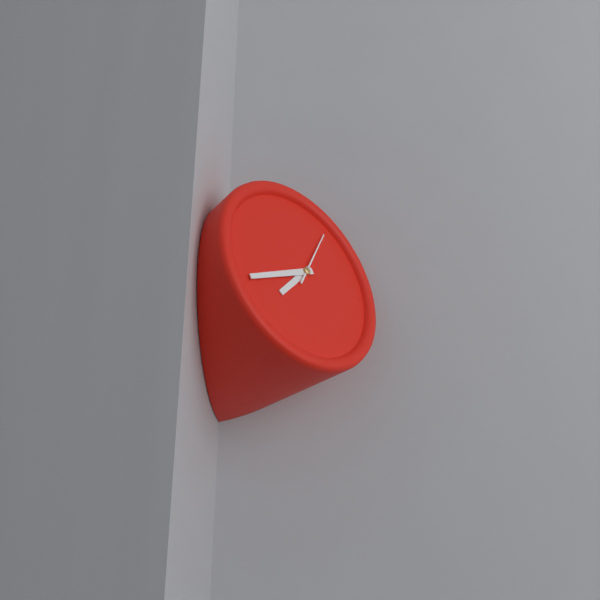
7:42
